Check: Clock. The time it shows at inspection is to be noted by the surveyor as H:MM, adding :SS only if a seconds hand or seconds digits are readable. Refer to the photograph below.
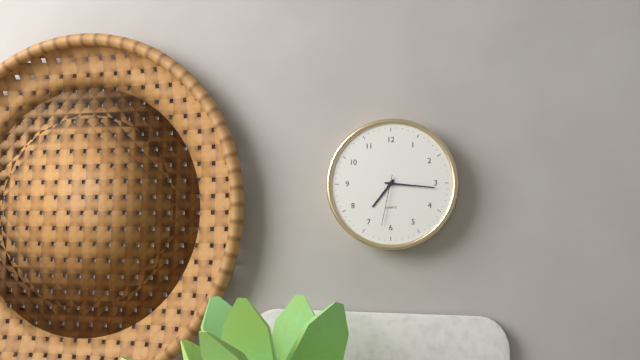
7:16:32
